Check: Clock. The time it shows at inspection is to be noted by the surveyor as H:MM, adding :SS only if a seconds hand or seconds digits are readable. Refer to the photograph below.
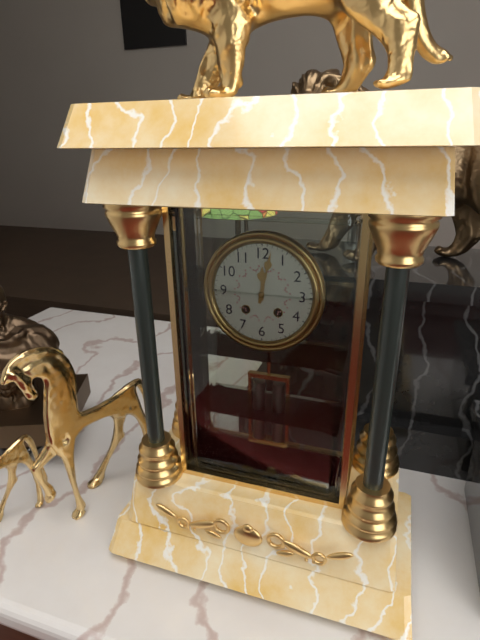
12:02
